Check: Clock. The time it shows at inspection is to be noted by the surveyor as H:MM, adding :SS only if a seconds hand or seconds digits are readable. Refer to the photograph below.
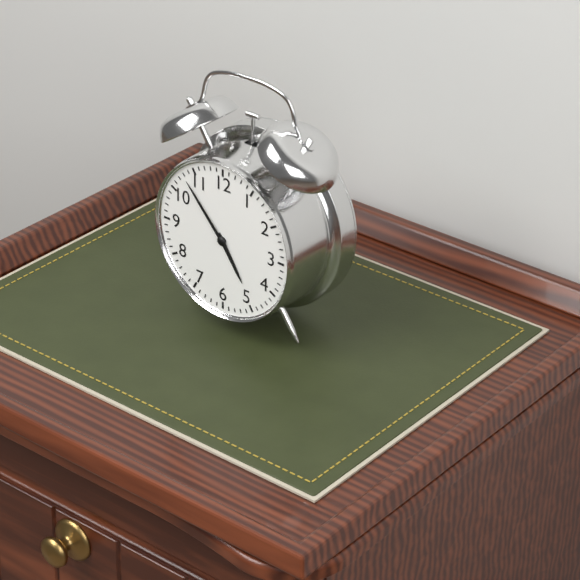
4:53
